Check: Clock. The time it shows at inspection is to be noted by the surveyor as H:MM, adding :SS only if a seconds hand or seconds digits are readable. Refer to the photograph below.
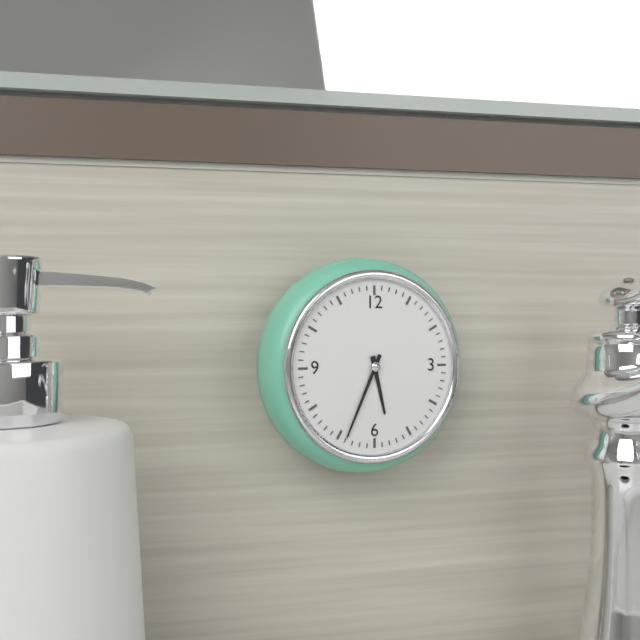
5:34
